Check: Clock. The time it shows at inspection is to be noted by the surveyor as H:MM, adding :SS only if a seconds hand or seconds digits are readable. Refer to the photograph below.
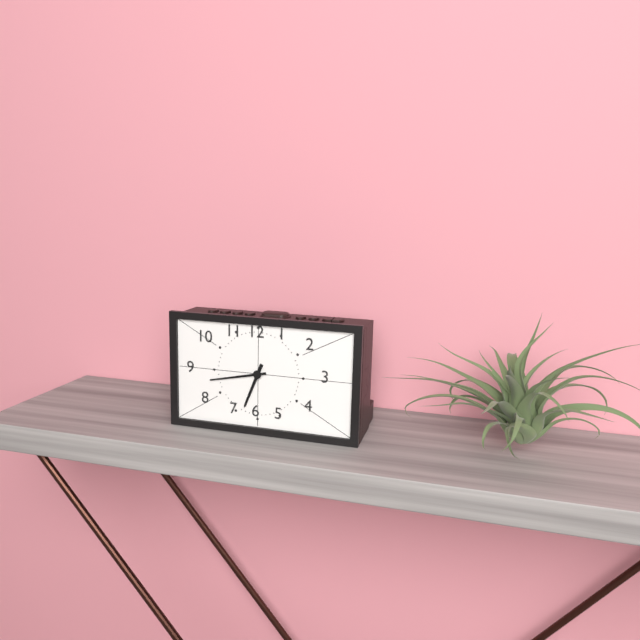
6:43
